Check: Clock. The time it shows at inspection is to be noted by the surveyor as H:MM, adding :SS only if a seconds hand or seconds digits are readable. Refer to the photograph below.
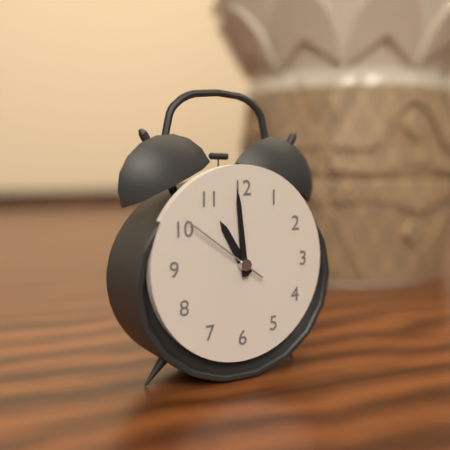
10:59:51
